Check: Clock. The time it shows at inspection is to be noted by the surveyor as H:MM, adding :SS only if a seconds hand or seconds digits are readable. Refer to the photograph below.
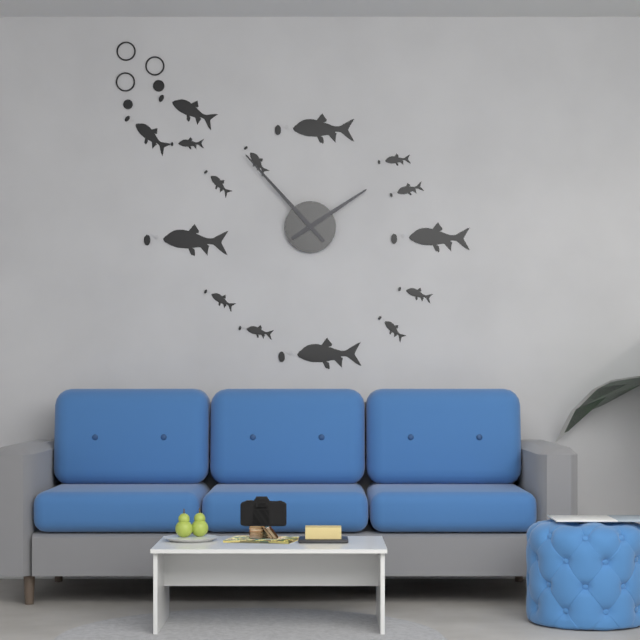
1:53
